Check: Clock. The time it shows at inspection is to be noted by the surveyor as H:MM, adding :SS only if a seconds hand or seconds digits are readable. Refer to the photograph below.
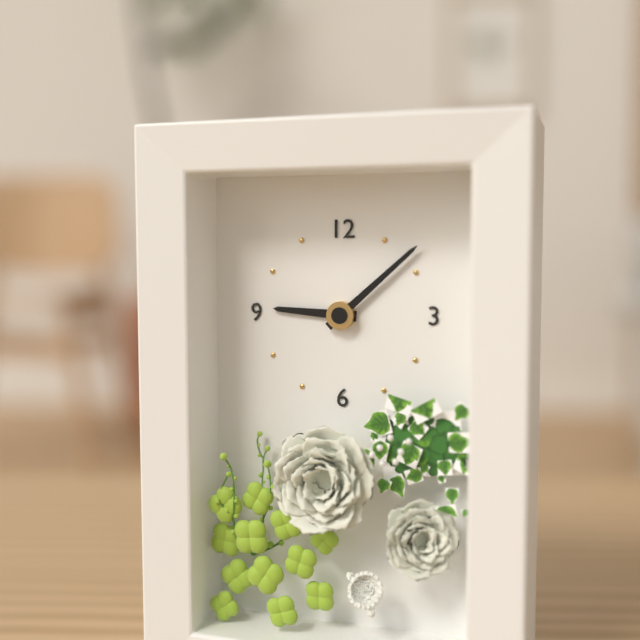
9:08
